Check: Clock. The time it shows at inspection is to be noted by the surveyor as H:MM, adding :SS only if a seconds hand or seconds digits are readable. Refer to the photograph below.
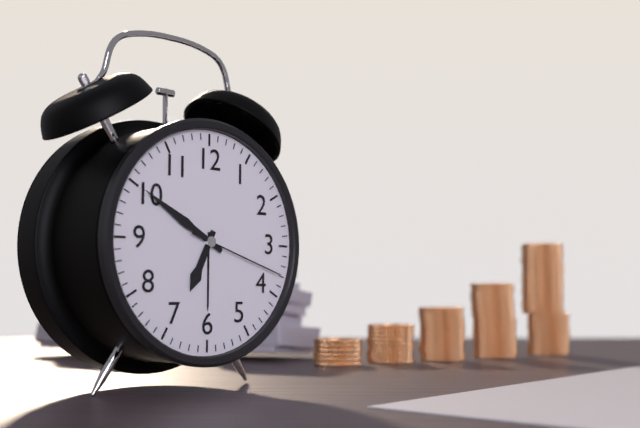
6:50:18
